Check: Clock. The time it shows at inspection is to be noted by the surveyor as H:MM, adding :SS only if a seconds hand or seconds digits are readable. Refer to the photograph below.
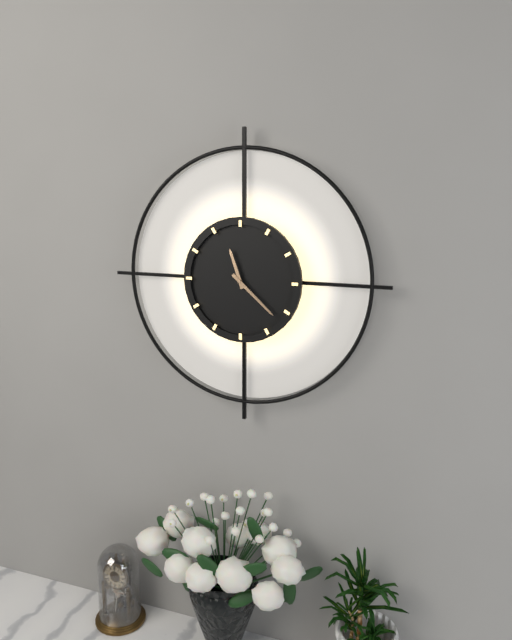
11:22
